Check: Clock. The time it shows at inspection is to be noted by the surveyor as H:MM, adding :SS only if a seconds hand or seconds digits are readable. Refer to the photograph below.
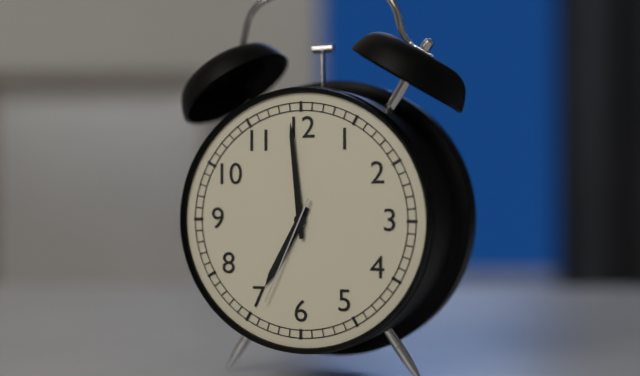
6:59:34
